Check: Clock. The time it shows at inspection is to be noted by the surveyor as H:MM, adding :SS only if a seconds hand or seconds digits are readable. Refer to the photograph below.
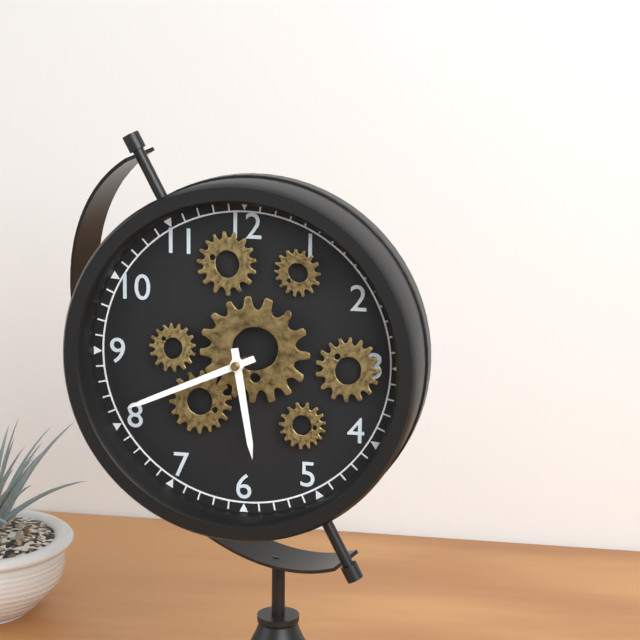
5:41
